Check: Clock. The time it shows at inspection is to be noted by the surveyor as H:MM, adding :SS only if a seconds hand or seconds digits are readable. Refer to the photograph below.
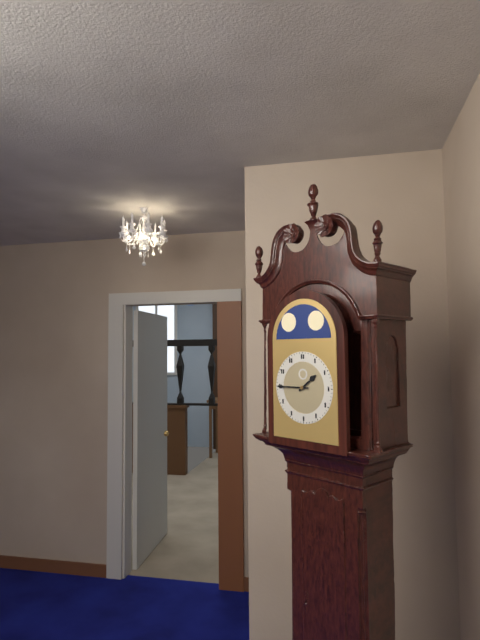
1:45
